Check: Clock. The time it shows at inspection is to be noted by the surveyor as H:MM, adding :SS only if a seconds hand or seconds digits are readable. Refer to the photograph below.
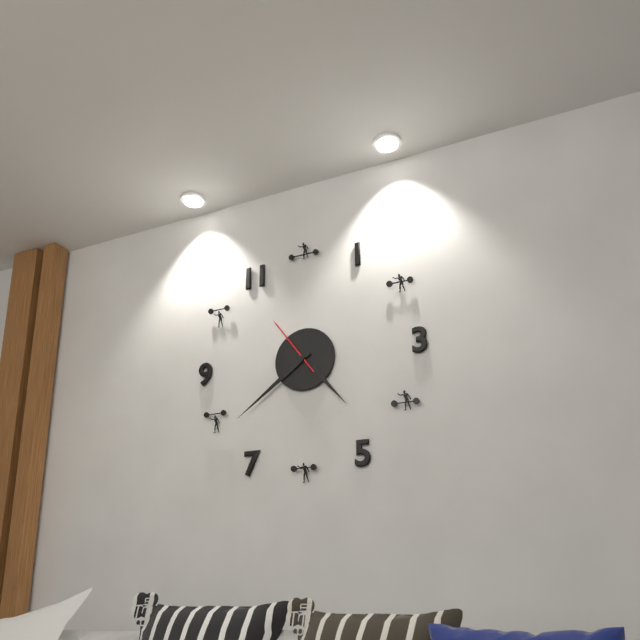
4:39:54
